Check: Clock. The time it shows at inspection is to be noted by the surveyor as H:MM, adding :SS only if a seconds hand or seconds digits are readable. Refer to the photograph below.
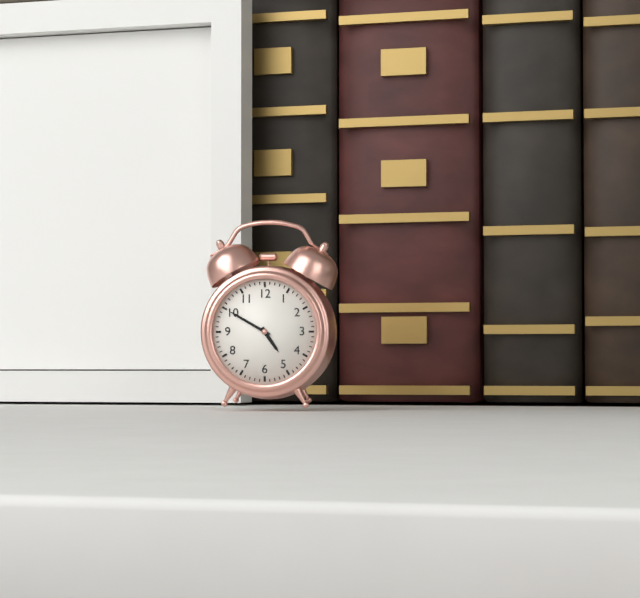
4:50
